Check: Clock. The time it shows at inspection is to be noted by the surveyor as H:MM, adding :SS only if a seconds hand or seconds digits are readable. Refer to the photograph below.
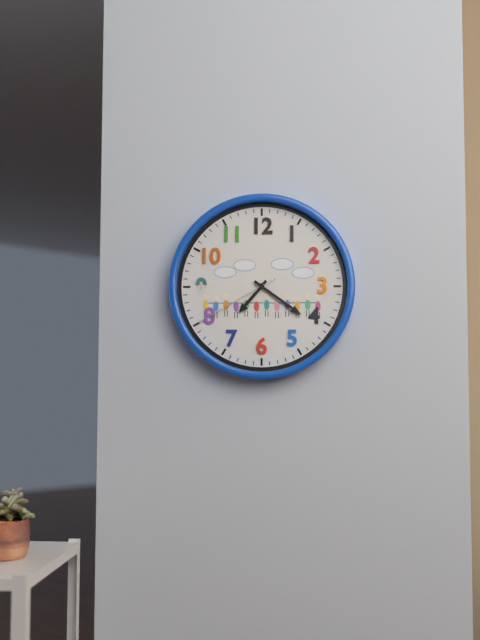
7:21:40
